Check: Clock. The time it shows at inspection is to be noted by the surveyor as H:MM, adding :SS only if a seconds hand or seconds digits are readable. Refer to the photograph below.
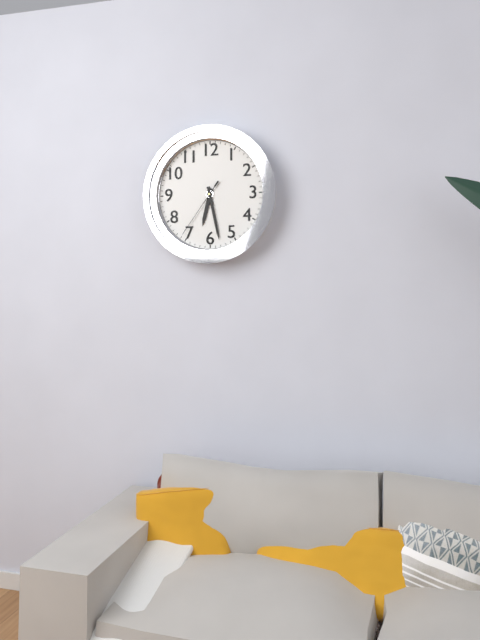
6:28:36
